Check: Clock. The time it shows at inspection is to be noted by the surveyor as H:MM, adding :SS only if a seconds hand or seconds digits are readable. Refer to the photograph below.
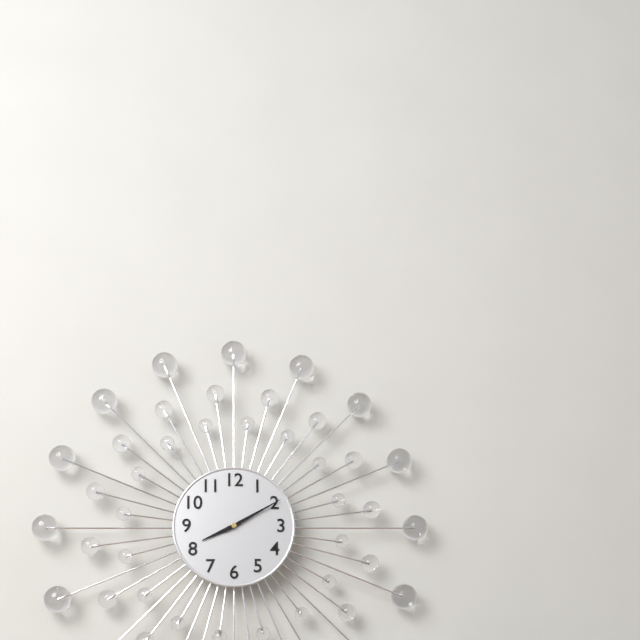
8:10
